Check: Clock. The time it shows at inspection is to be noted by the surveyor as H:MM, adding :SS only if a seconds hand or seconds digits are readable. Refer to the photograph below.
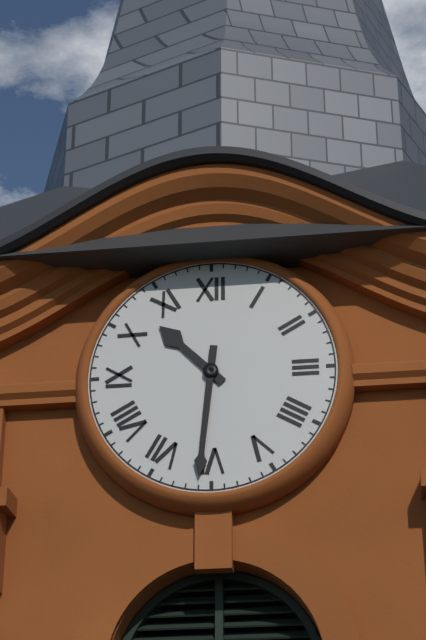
10:31
